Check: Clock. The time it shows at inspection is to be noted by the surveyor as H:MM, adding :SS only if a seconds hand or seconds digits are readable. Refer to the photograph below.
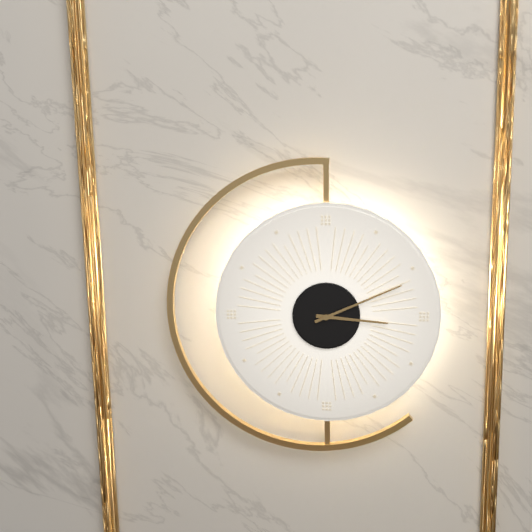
3:11
